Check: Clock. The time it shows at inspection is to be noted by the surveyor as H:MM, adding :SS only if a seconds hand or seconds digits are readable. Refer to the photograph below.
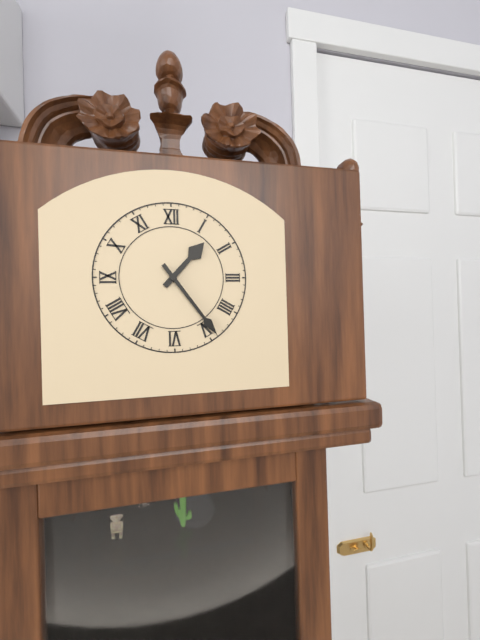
1:24
